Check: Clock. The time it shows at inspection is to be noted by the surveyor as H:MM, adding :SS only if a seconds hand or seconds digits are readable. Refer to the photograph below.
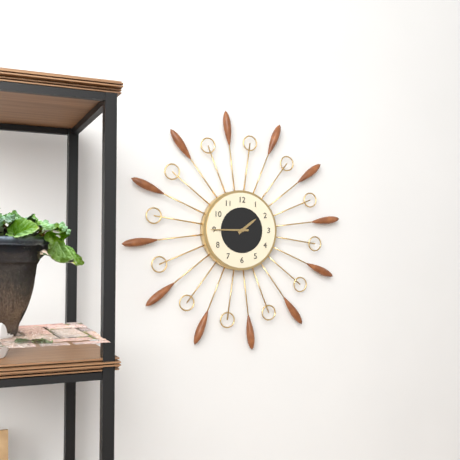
1:45
